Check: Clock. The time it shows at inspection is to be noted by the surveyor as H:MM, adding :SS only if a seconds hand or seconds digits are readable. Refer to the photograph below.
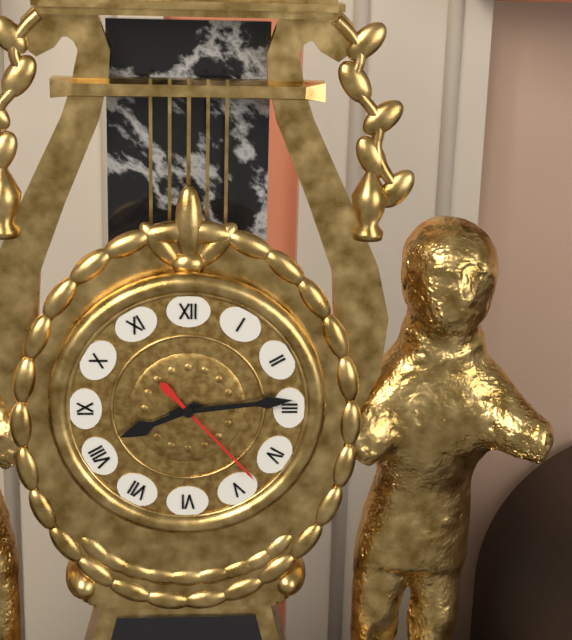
8:14:23
